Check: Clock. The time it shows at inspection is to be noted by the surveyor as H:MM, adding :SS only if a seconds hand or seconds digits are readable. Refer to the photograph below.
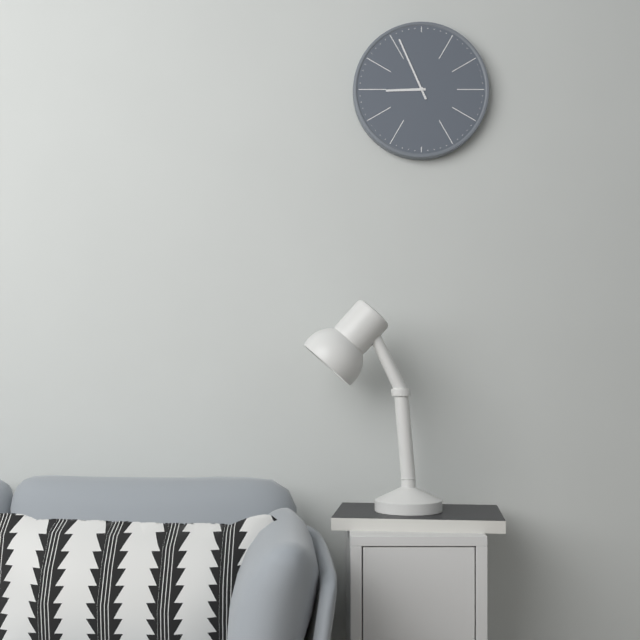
8:56
